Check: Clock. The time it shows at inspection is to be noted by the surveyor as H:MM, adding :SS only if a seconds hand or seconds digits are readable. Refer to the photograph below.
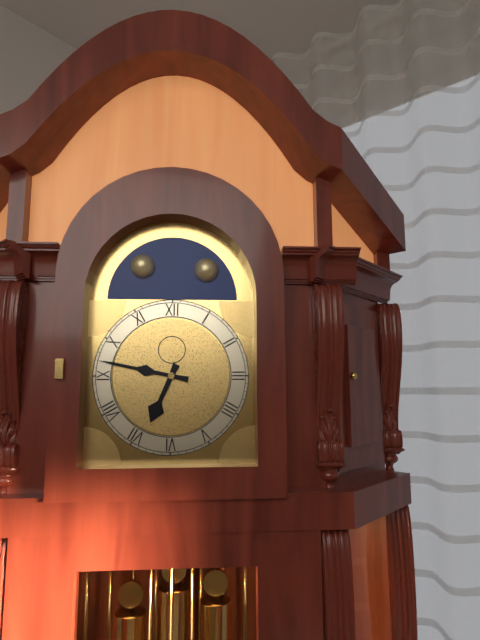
6:47
